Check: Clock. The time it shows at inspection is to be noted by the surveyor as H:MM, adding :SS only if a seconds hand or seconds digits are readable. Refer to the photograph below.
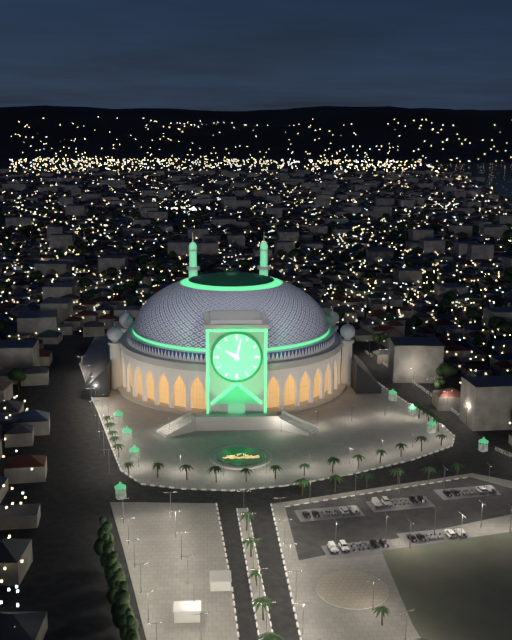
10:02
